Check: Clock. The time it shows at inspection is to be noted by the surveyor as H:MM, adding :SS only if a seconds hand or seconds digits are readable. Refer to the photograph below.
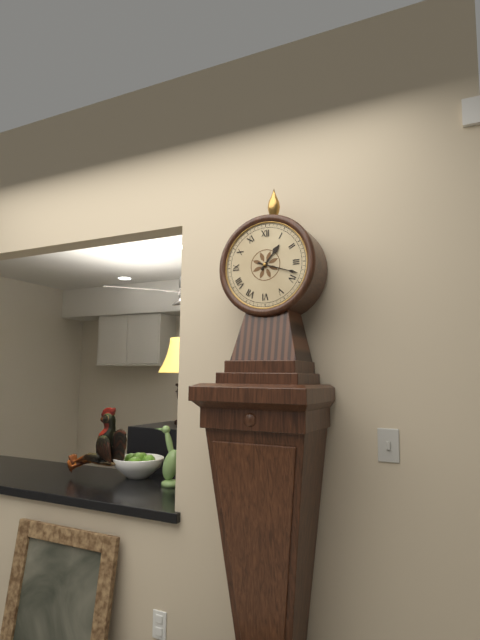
1:18
